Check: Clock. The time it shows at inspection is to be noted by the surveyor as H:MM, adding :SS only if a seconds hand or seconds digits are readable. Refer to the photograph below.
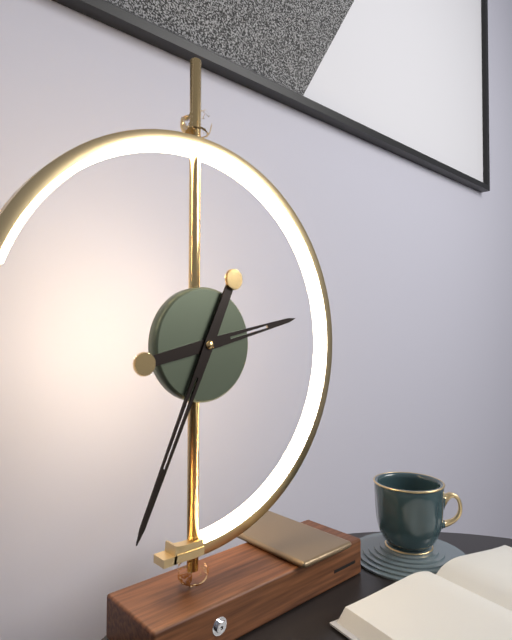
2:34
